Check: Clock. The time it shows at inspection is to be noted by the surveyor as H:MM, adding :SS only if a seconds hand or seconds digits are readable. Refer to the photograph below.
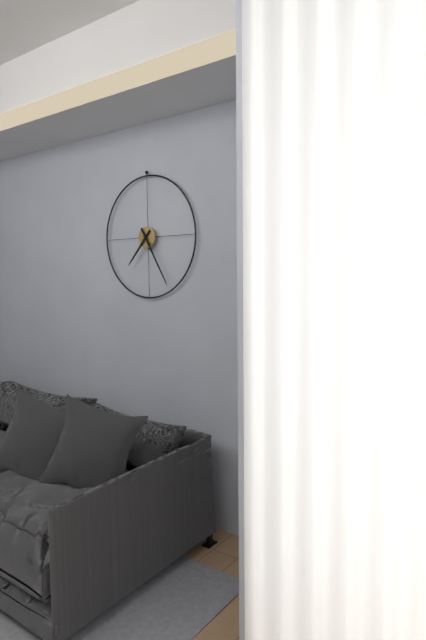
7:25
